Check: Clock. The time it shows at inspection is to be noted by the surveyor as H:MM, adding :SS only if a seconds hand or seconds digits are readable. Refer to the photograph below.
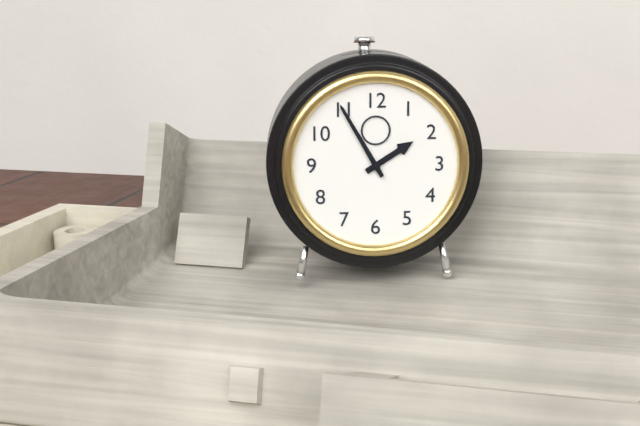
1:55
